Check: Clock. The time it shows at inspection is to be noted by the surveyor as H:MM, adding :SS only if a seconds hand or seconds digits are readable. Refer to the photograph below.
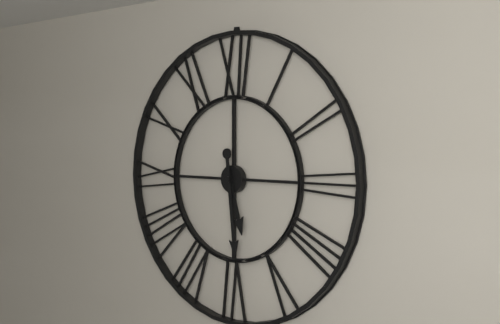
5:29
